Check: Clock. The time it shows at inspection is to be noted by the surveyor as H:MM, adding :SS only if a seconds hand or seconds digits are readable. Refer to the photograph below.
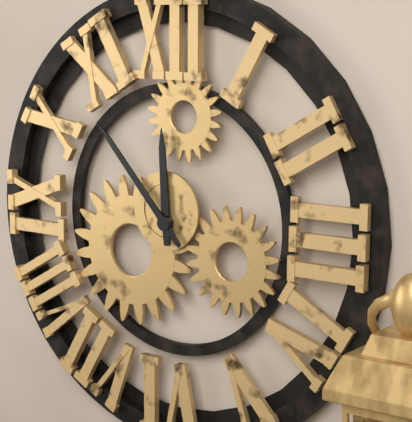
11:53
